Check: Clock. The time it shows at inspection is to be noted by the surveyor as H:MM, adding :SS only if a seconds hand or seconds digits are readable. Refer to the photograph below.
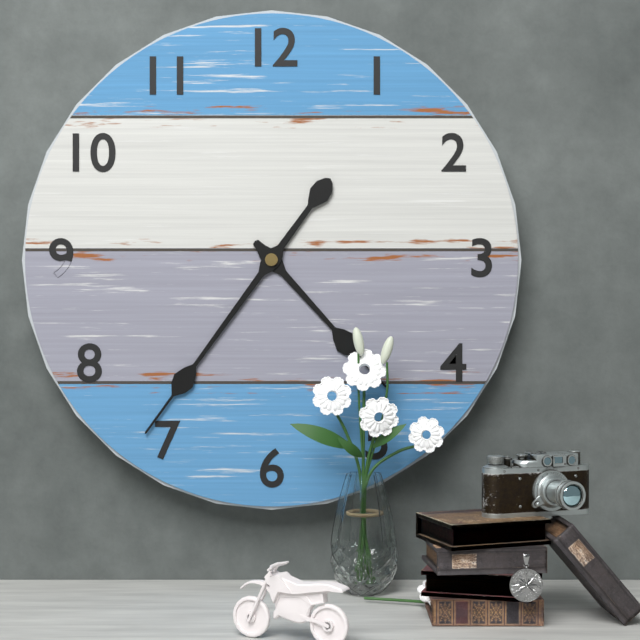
4:36
